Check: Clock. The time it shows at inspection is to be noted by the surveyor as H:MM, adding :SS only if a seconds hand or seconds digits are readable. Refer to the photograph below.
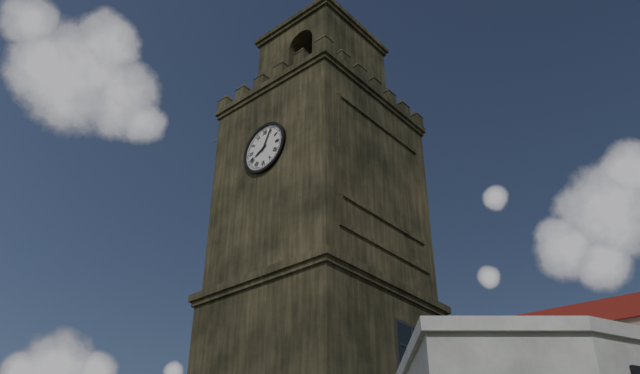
8:04
